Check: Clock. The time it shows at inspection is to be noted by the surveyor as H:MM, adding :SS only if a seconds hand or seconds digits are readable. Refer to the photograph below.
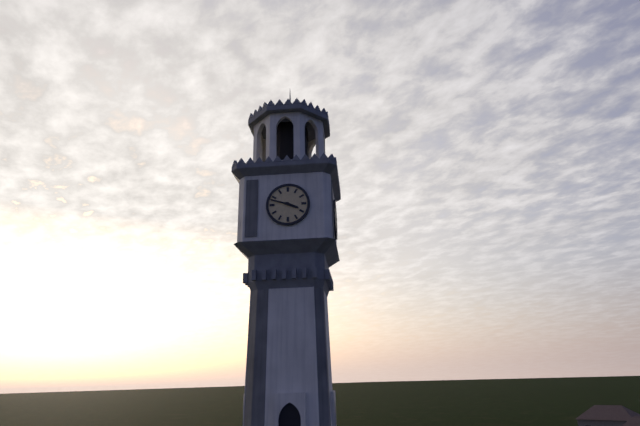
3:48
